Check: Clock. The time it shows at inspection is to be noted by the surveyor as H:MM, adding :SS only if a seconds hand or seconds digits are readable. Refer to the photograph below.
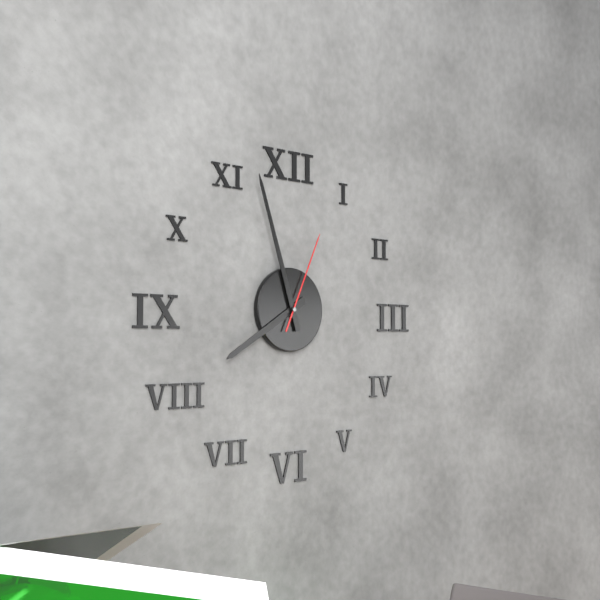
7:57:04
